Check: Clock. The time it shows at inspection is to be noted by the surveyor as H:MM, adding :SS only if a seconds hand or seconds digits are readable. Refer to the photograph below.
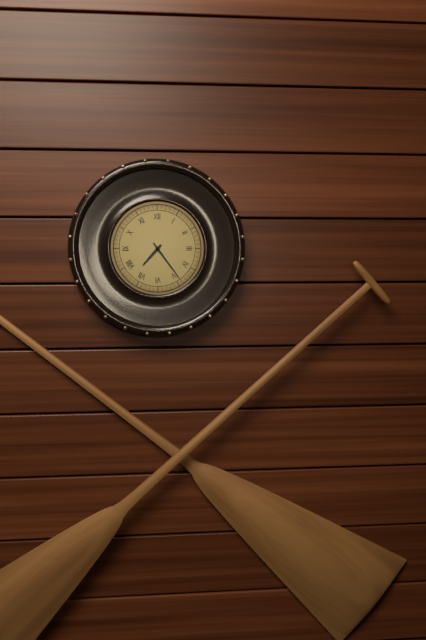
7:24
